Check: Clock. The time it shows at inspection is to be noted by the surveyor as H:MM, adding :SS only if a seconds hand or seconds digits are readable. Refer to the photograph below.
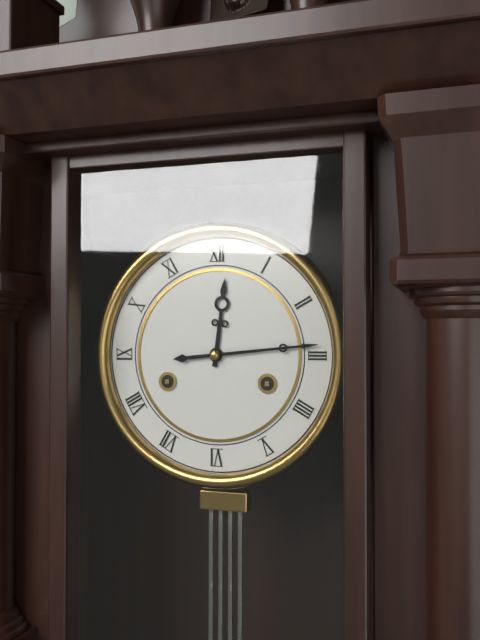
12:14
